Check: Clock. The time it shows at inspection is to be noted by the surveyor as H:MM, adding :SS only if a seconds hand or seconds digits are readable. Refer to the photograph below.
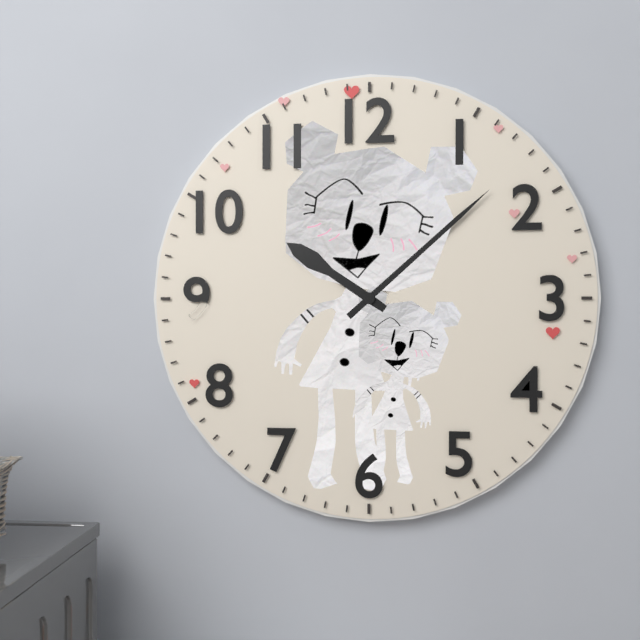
10:08
